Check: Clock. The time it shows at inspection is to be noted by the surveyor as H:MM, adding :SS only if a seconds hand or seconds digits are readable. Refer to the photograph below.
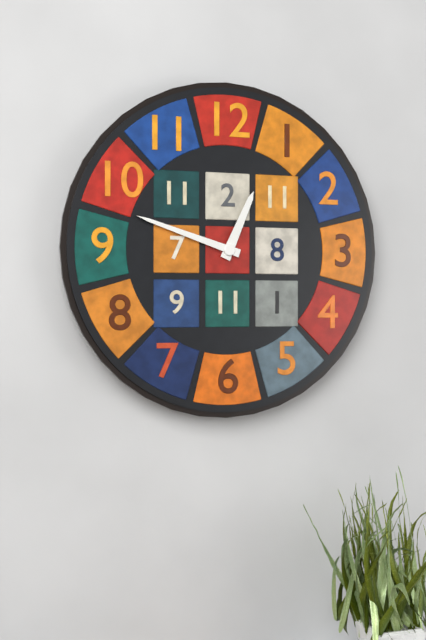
12:48
